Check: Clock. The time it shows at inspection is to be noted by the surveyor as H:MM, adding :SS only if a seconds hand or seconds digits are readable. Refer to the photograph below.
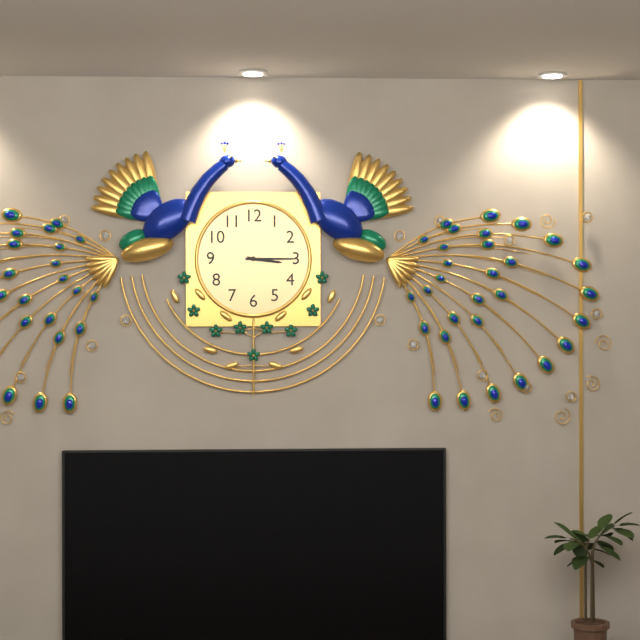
3:15
